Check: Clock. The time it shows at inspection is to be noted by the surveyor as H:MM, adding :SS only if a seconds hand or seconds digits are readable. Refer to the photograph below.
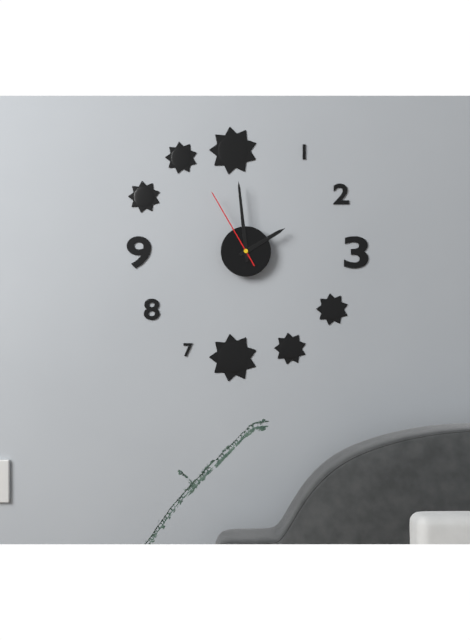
1:59:55
